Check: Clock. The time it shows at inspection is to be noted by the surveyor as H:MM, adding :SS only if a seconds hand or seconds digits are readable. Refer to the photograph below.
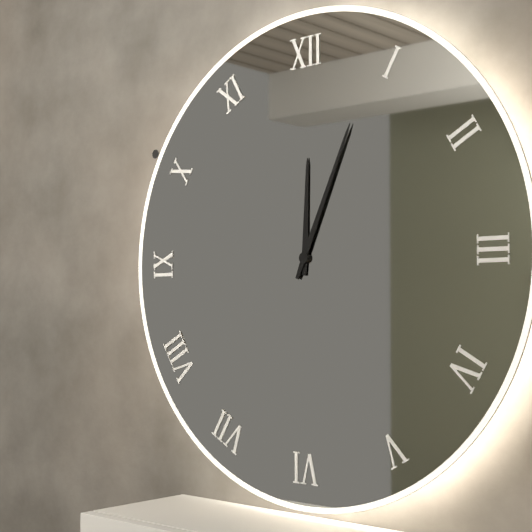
12:04
